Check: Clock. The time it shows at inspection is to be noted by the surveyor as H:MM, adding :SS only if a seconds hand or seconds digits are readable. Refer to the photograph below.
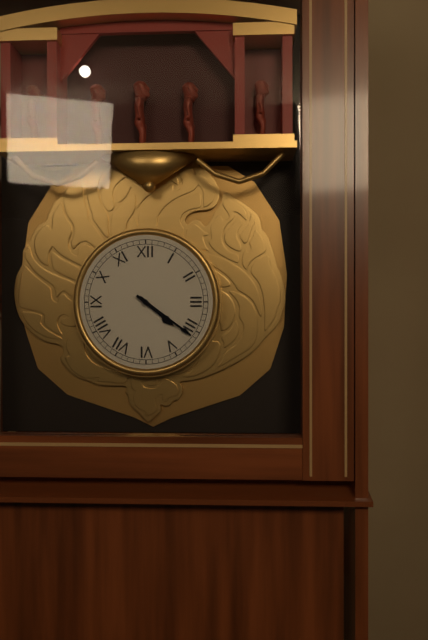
4:21
